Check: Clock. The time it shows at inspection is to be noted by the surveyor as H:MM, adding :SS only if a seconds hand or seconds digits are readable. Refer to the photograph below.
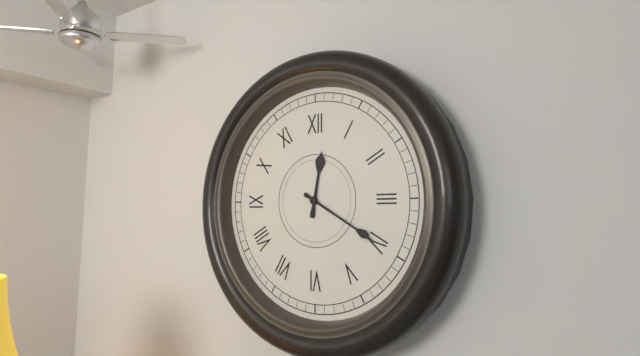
12:20
